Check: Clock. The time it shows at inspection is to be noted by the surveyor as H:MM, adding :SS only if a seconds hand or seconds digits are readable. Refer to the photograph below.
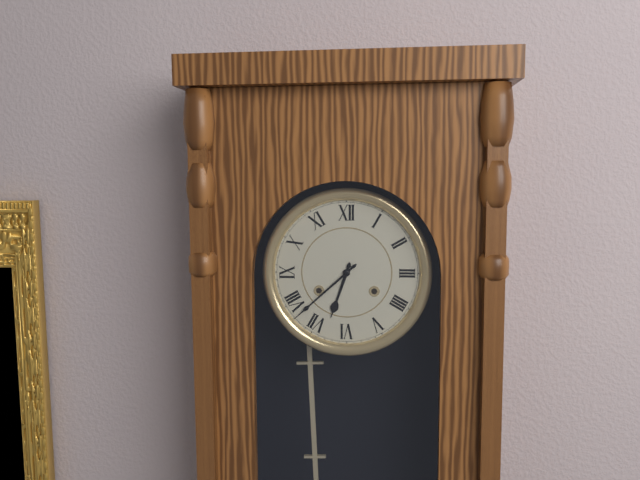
6:38
